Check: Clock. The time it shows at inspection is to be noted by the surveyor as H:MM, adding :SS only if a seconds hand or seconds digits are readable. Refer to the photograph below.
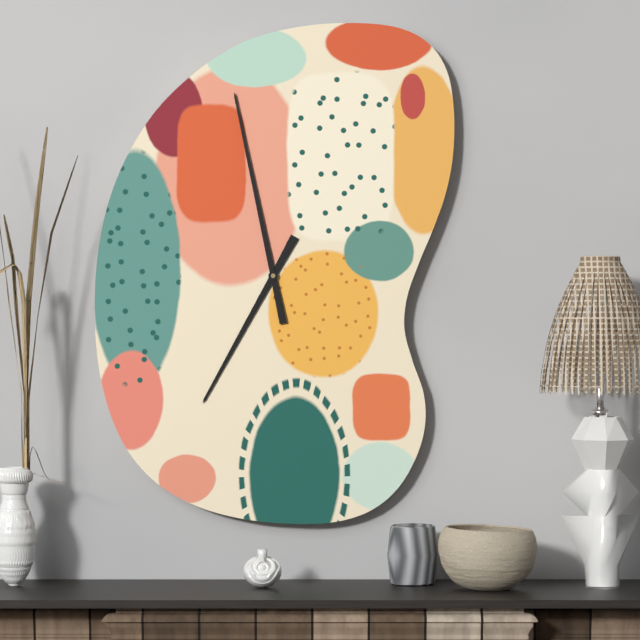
6:58
